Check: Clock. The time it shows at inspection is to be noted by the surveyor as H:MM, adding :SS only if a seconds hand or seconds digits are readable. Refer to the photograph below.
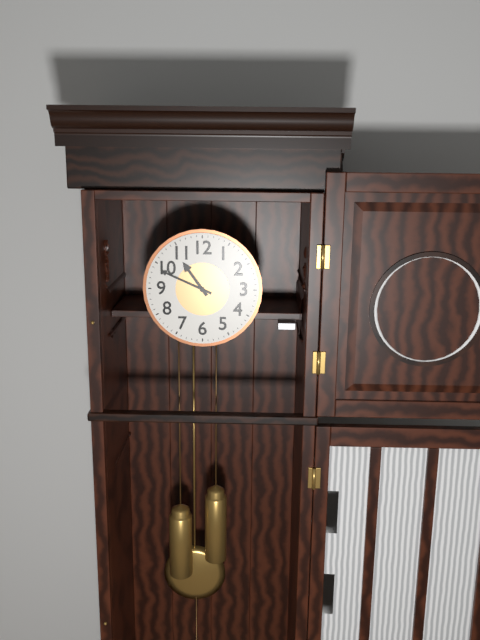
10:49
